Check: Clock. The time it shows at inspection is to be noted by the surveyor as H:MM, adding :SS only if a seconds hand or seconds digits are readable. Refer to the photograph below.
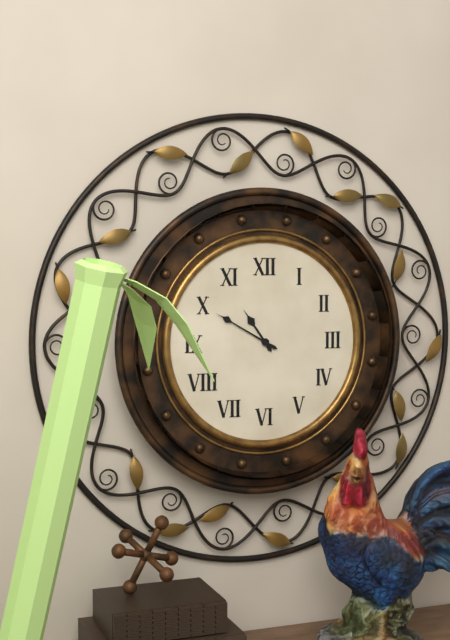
10:50
